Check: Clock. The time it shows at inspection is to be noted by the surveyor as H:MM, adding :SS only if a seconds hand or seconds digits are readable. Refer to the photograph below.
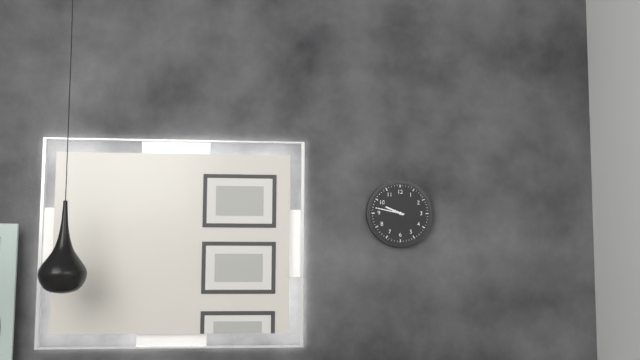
9:47
